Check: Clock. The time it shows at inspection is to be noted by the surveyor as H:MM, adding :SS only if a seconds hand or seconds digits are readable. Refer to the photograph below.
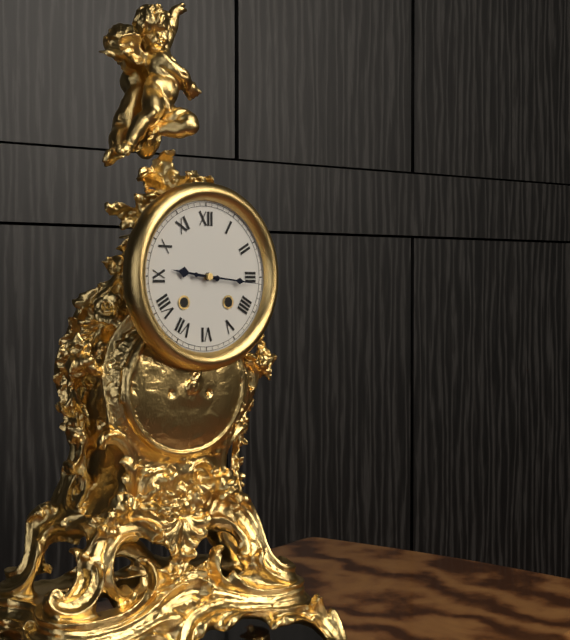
9:16
